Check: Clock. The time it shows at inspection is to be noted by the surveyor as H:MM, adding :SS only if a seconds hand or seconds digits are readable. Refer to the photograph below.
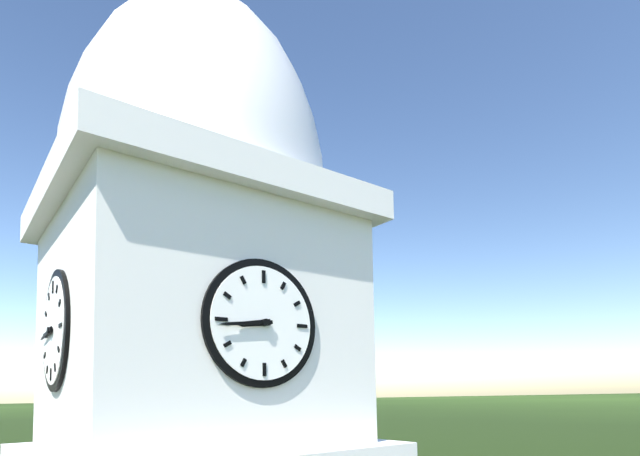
8:44
